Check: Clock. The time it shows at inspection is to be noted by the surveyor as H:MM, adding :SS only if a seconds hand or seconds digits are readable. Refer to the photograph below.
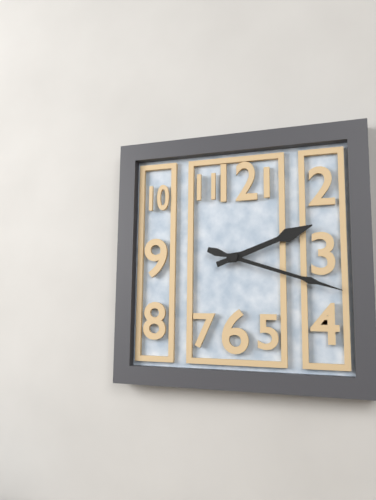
2:18
